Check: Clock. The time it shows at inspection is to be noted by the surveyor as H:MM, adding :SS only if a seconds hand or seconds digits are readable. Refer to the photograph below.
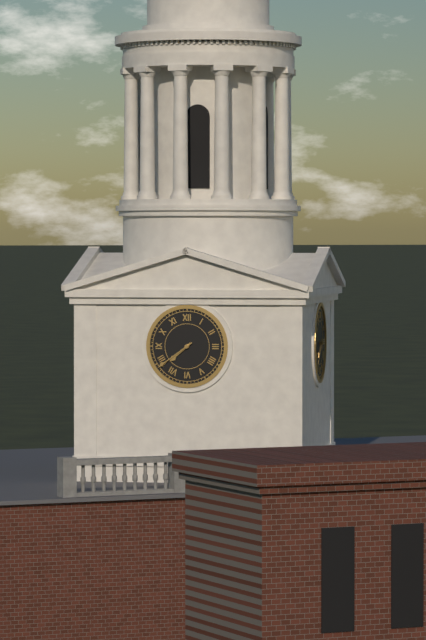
7:39
